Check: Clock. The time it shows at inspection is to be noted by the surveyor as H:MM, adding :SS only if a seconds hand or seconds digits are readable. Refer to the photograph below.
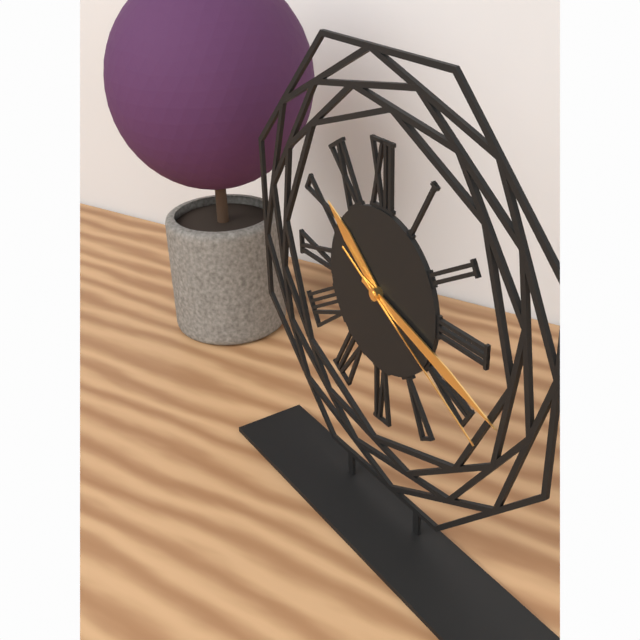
10:18:20
